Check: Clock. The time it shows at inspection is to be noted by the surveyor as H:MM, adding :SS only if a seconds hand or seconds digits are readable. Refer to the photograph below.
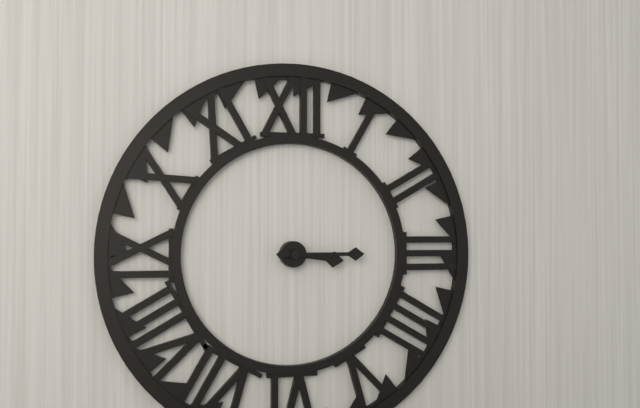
3:15
